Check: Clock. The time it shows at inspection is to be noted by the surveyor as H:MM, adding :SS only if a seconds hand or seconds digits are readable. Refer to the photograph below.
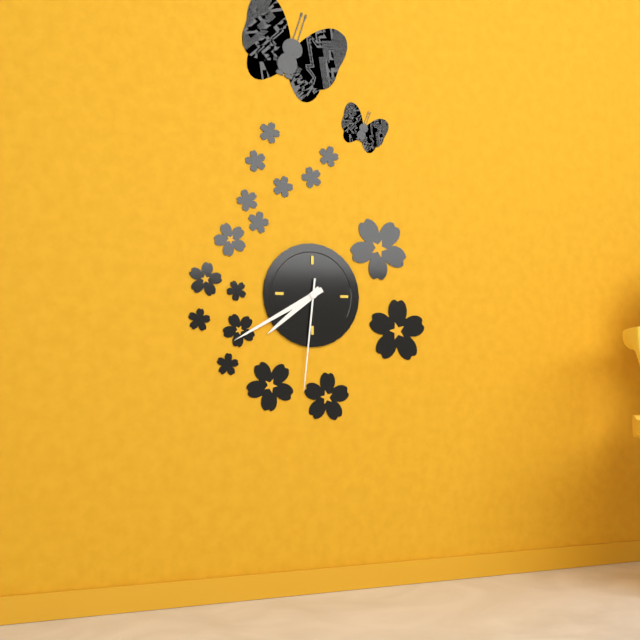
7:40:31
